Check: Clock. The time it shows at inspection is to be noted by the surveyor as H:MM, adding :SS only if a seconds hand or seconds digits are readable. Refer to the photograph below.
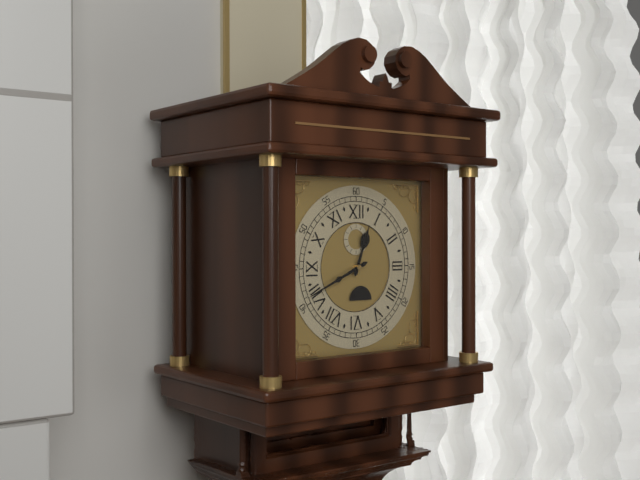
12:41
